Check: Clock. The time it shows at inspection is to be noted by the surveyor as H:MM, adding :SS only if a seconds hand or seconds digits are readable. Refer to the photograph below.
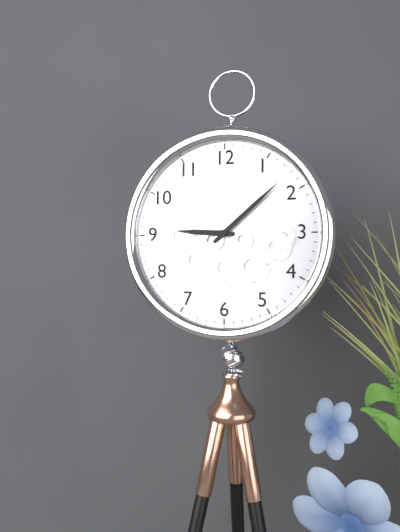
9:08
